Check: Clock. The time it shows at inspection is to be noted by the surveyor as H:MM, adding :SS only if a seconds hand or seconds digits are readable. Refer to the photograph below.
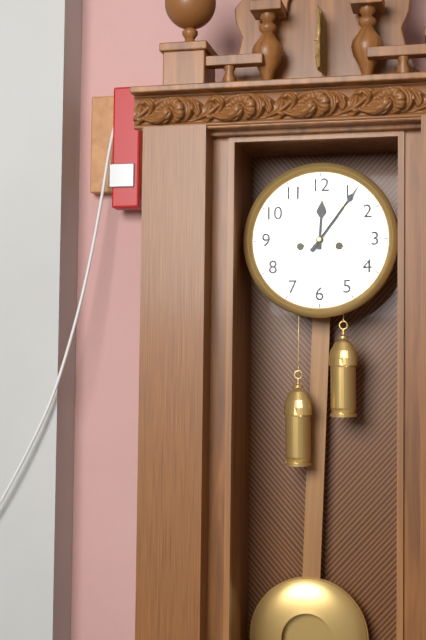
12:06
